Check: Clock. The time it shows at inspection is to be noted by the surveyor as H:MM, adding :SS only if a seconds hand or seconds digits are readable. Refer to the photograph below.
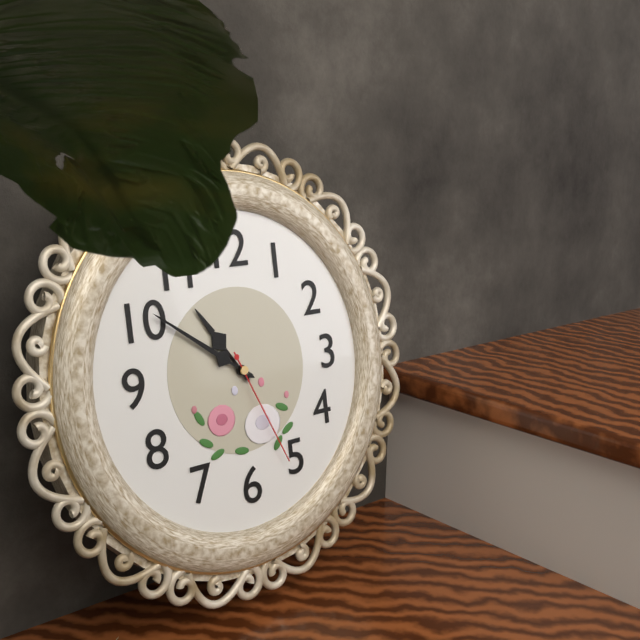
10:51:26
